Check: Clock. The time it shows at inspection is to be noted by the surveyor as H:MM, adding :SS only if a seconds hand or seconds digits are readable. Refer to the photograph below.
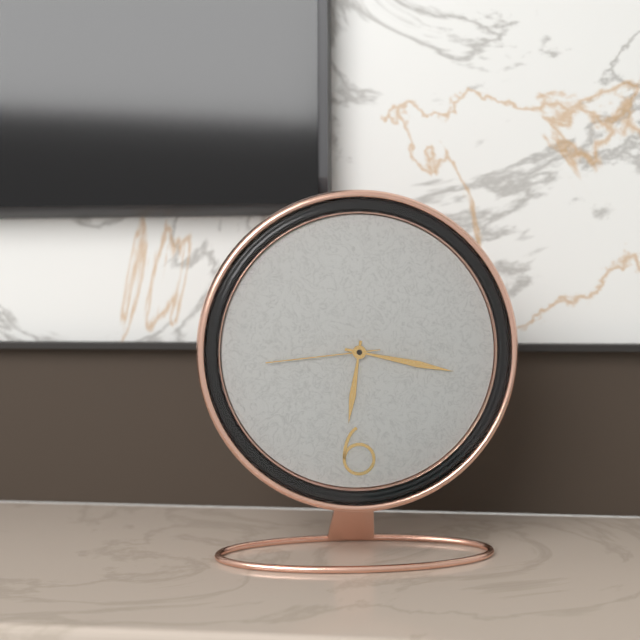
6:17:44
